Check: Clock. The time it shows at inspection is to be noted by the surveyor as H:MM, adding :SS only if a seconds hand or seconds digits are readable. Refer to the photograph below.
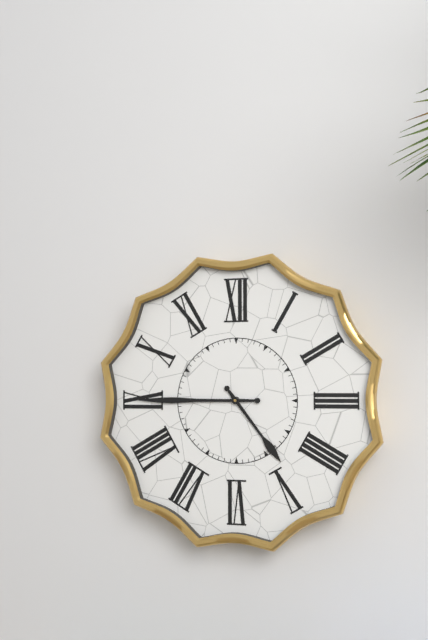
4:45
